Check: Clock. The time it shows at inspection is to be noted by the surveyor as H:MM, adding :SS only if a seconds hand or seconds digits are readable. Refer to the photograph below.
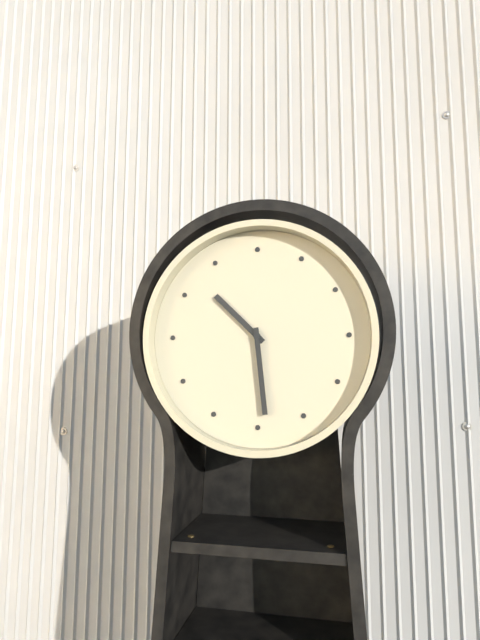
10:29
